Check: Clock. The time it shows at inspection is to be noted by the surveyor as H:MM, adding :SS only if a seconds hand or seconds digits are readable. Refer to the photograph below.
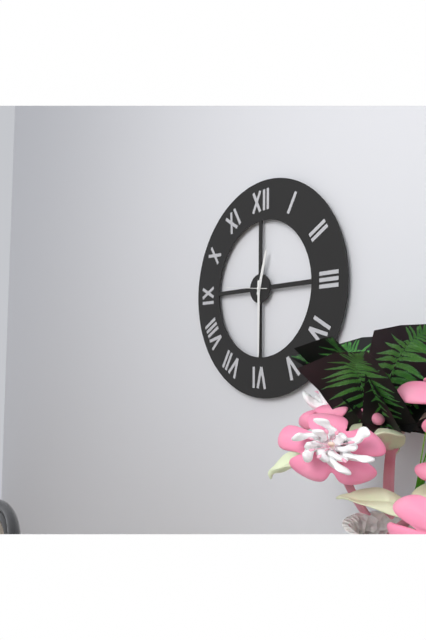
12:30
